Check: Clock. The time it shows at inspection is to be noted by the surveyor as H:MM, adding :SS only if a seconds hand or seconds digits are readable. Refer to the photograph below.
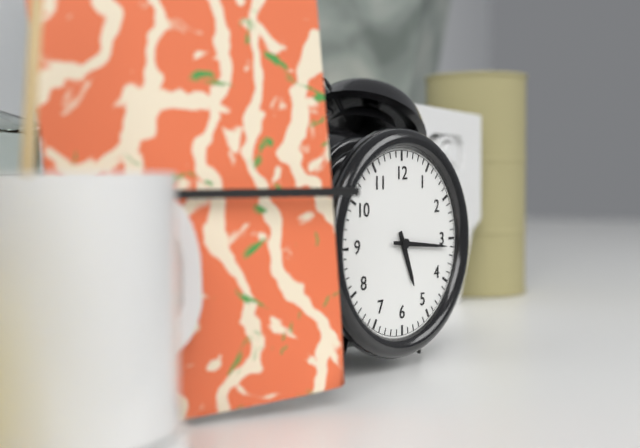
5:16
